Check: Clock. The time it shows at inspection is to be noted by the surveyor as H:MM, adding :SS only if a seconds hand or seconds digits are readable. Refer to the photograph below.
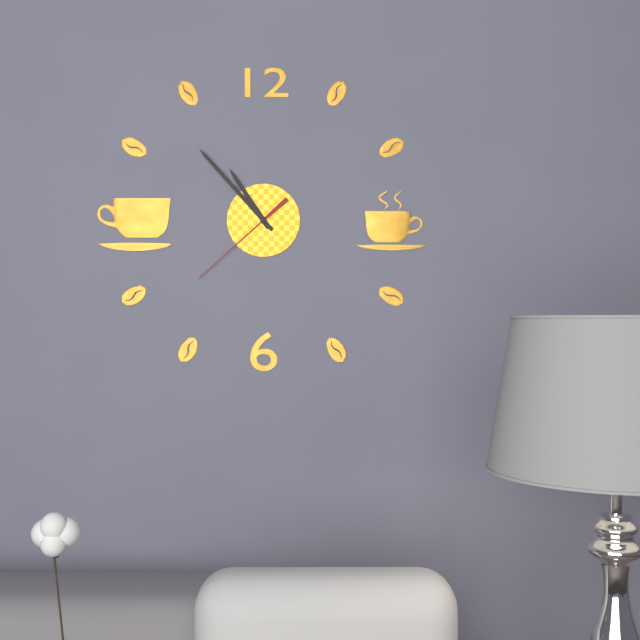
10:53:38
